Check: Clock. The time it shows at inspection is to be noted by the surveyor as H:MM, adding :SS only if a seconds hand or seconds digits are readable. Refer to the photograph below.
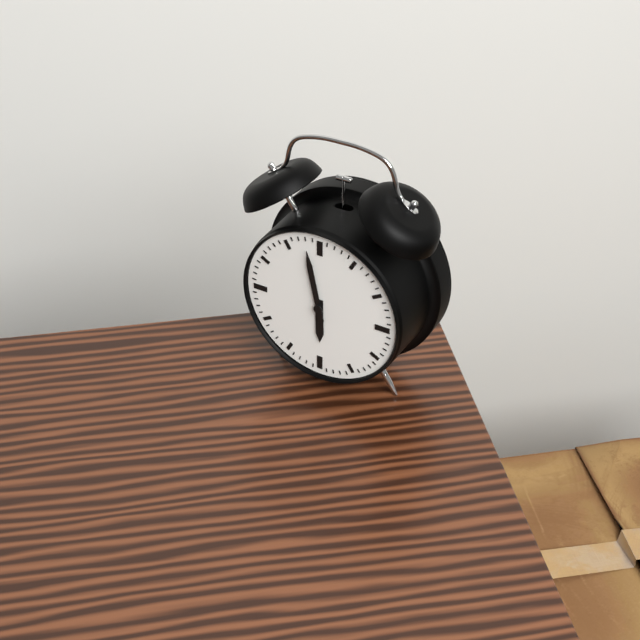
5:58
